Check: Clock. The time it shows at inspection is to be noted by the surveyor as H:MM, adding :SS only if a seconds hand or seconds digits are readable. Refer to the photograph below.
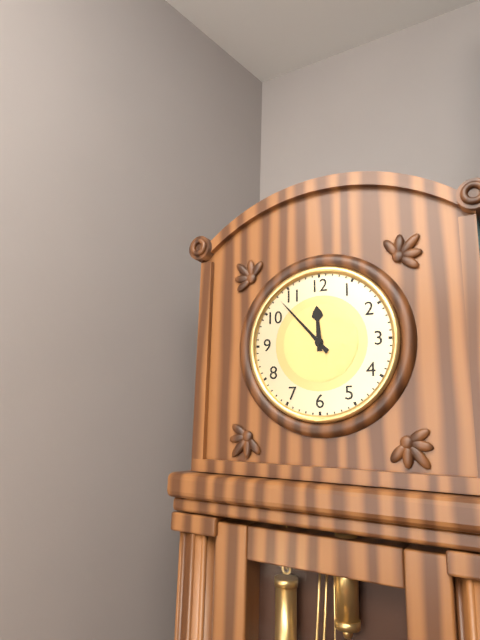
11:53
